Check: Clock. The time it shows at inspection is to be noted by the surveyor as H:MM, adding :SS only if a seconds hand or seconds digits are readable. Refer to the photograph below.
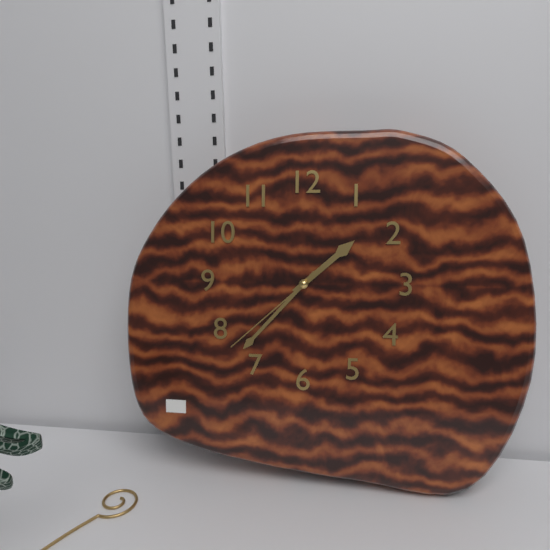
1:37:38
